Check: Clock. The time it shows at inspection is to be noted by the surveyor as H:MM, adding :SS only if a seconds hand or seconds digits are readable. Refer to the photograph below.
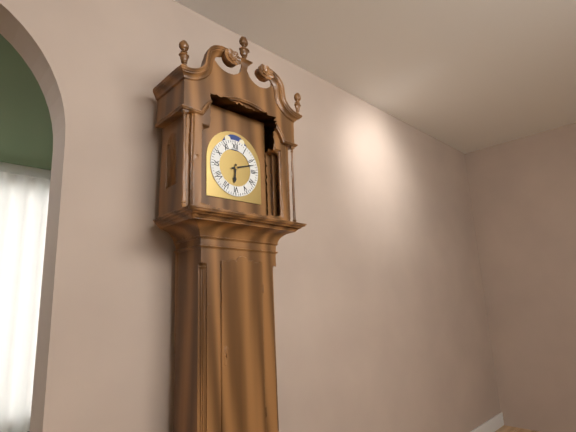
6:12
